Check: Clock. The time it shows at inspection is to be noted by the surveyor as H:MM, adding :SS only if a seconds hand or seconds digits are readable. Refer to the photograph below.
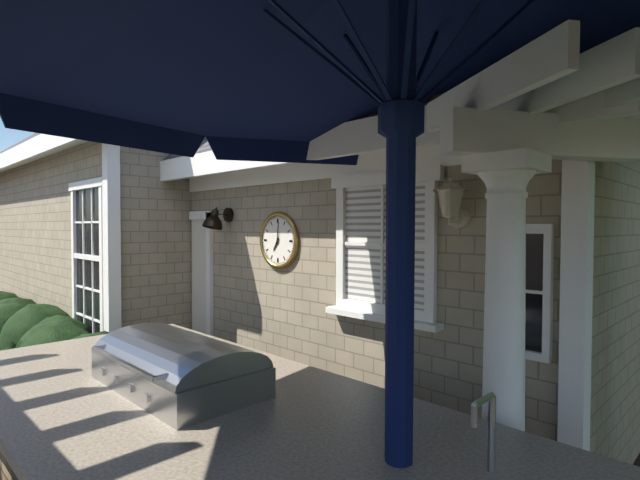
7:01
